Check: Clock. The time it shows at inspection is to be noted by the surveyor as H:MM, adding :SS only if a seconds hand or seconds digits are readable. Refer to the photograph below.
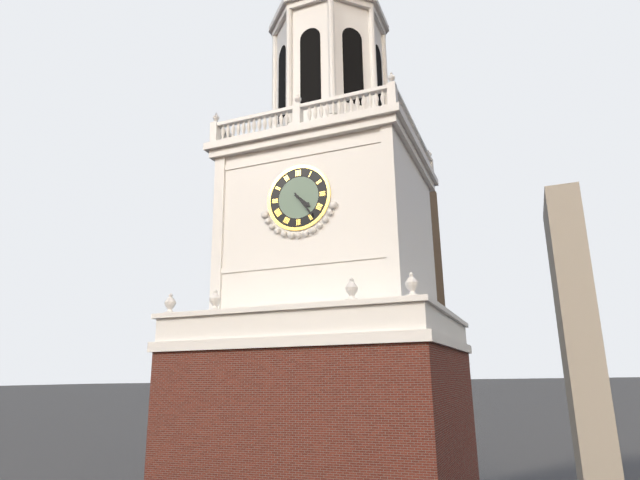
4:24
